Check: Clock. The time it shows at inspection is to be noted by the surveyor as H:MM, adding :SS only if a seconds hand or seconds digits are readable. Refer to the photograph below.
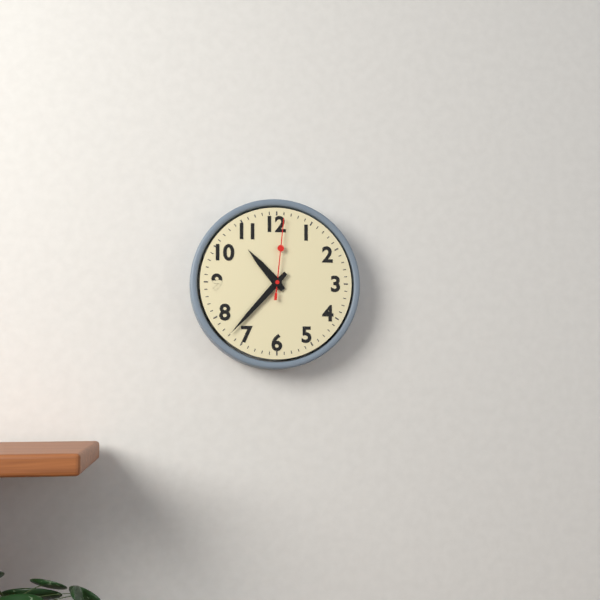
10:37:01
